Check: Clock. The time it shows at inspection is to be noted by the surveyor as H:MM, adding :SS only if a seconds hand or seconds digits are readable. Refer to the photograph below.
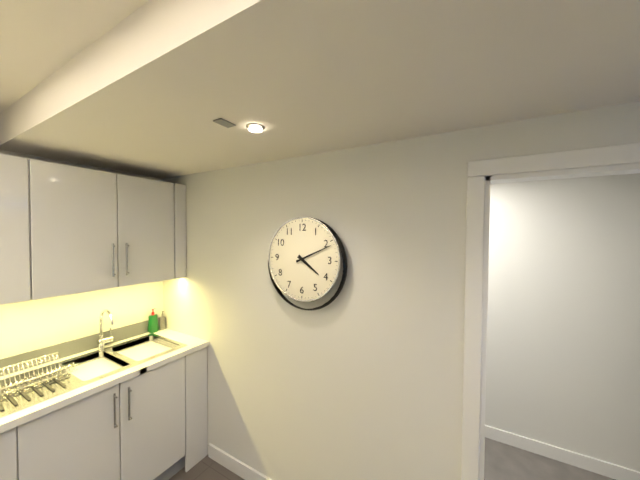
4:11
